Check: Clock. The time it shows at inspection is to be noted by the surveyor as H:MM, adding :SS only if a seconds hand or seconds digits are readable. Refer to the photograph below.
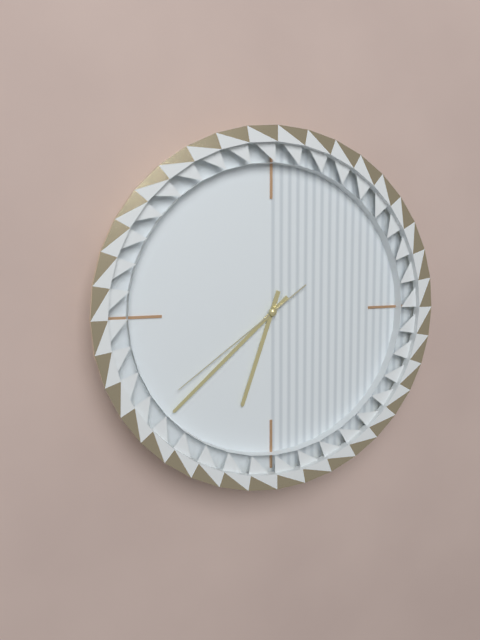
6:38:39
